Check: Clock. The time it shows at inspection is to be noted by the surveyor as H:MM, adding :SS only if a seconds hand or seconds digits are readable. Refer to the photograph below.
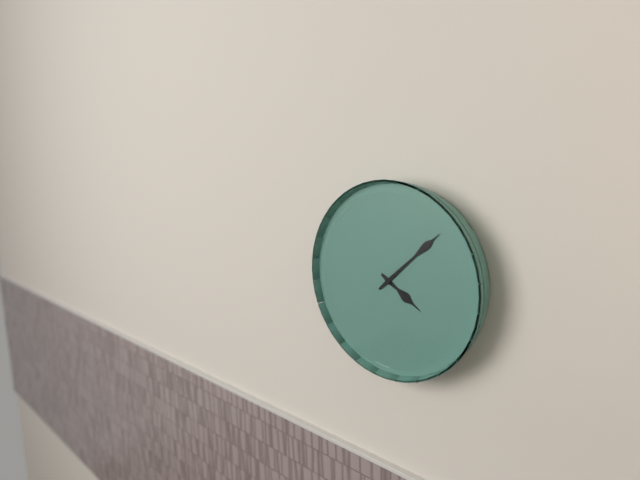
4:08
